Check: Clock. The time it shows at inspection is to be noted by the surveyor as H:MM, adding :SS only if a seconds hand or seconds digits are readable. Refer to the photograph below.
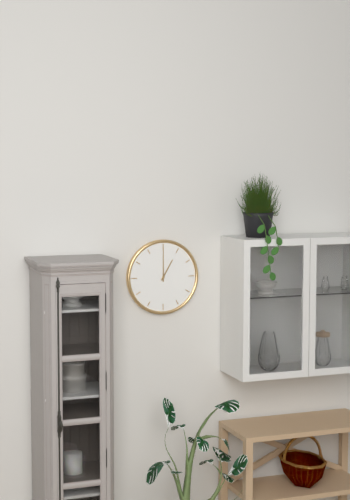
1:00
